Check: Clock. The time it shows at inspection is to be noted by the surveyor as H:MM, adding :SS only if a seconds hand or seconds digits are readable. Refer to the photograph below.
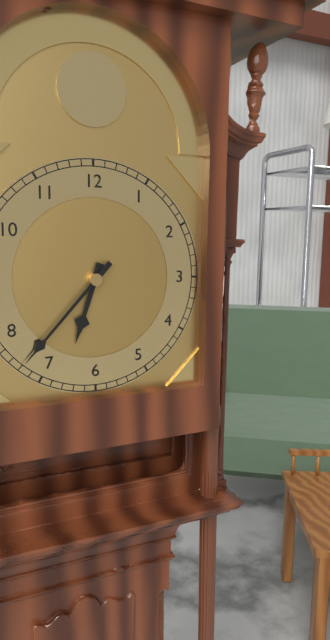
6:37
